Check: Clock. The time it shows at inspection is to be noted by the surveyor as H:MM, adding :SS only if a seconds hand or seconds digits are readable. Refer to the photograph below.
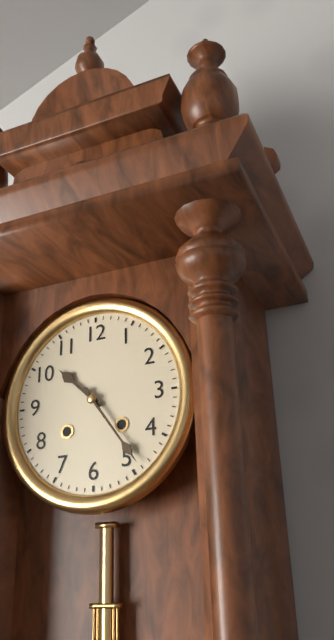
10:24
